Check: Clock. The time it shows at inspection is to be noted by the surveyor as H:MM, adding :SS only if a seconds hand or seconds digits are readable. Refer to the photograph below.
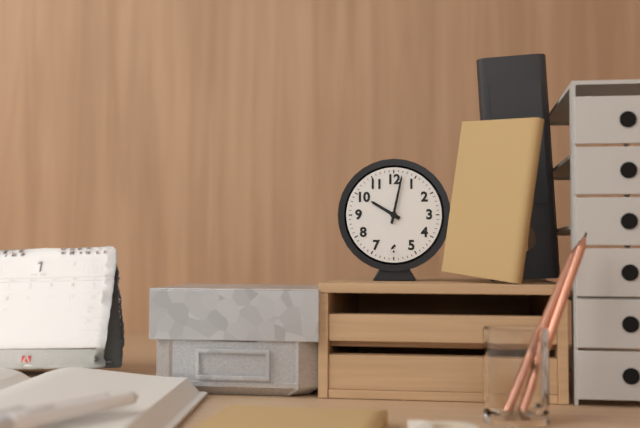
10:02
